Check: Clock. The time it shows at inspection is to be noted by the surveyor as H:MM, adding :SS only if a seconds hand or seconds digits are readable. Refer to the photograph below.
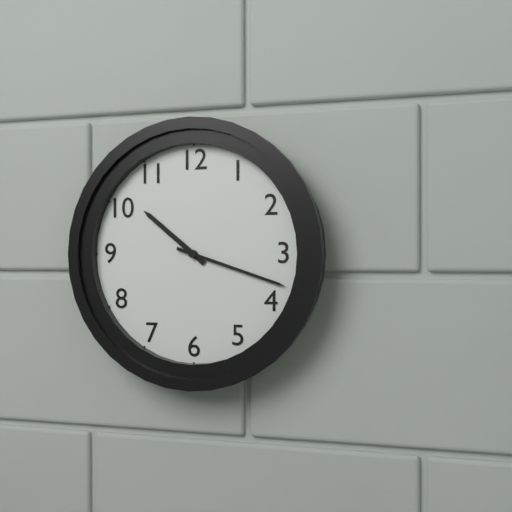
10:18
